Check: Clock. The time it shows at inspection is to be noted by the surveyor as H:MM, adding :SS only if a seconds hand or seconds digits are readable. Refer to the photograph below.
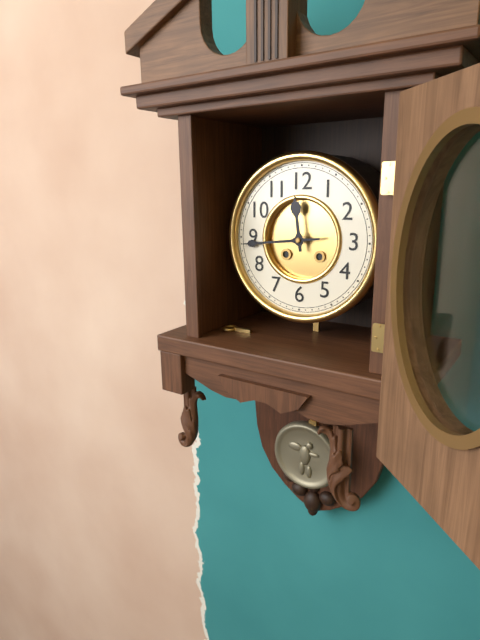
11:44
